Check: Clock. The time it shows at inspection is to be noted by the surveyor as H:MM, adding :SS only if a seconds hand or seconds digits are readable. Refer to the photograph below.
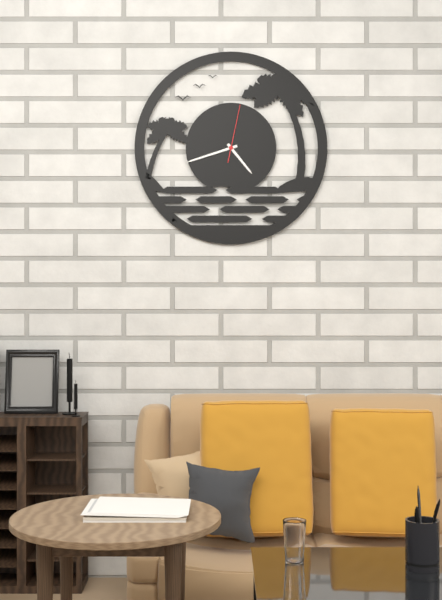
4:42:02
